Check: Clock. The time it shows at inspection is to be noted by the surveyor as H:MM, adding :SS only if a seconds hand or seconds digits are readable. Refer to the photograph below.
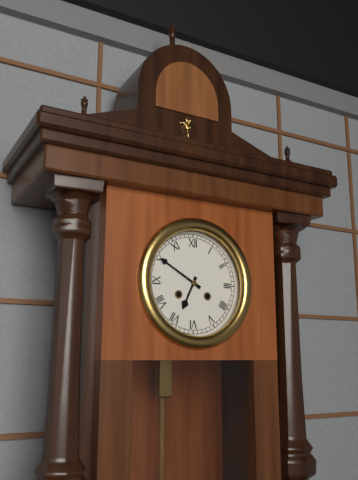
6:50
